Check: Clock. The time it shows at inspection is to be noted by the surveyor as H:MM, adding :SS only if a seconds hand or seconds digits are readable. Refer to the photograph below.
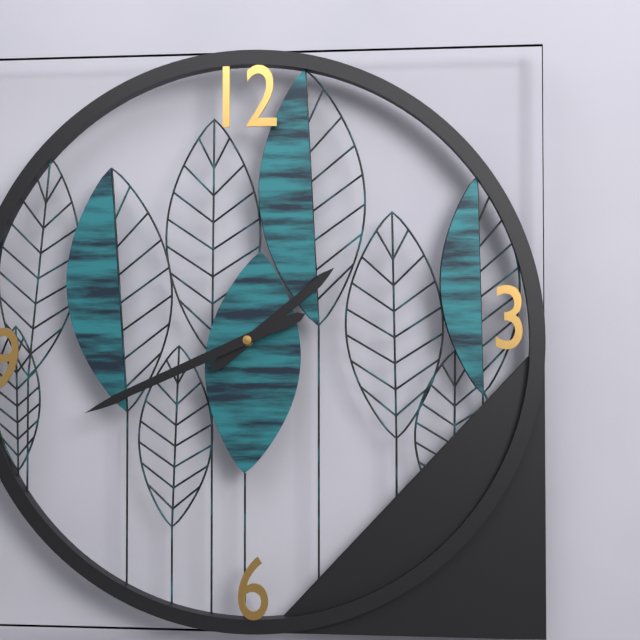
1:41
